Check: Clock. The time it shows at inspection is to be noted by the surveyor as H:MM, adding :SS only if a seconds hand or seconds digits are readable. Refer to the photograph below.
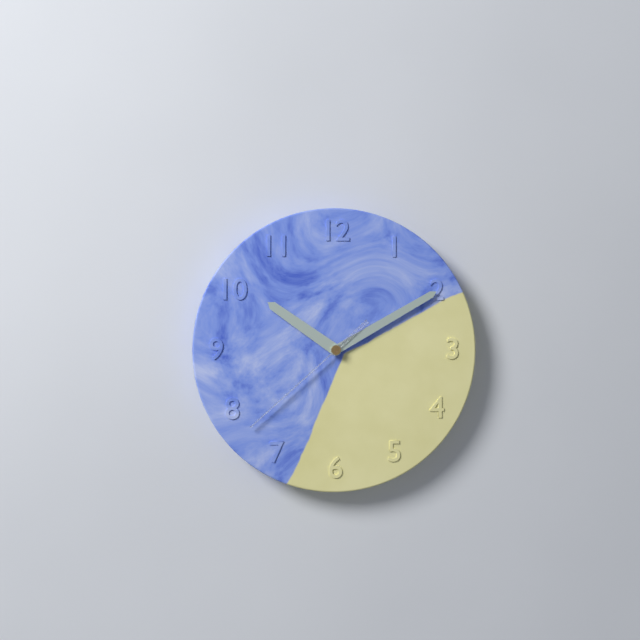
10:10:38
